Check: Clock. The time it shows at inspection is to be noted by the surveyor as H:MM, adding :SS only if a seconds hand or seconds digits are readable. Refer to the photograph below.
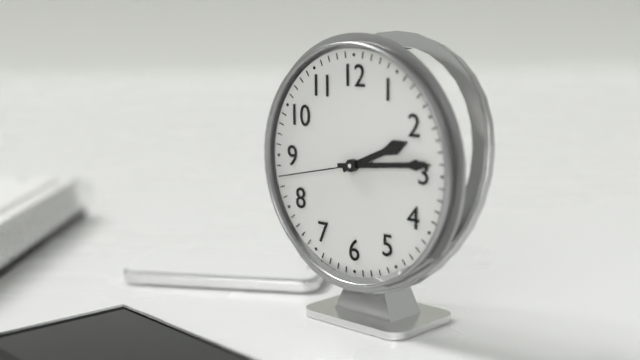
2:14:43
